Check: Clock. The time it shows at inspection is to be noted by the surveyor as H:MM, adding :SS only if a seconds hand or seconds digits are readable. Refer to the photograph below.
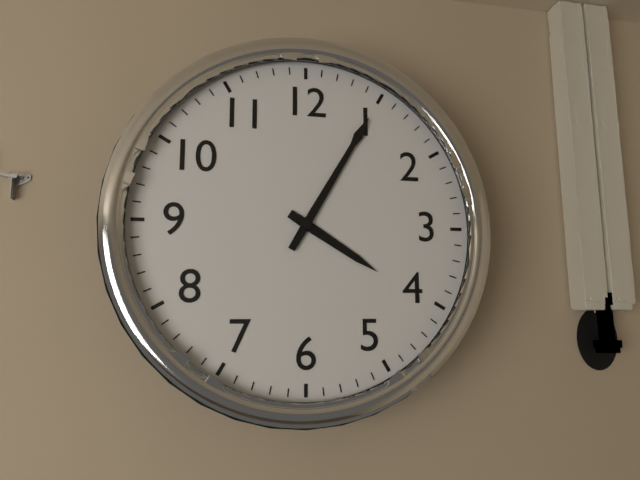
4:05
